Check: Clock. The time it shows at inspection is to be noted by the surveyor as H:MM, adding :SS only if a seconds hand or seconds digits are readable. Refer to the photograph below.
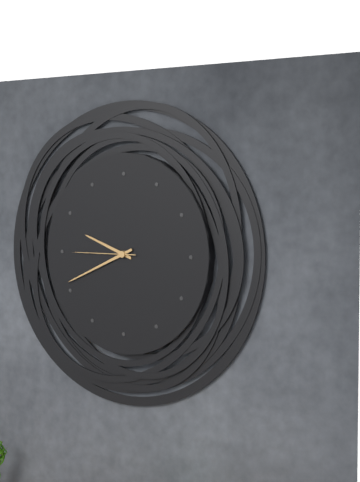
9:41:45
